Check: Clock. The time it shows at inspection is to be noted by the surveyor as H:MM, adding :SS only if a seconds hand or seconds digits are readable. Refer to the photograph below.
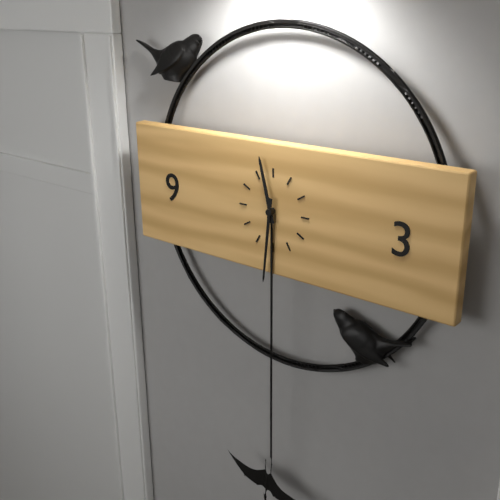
11:31
